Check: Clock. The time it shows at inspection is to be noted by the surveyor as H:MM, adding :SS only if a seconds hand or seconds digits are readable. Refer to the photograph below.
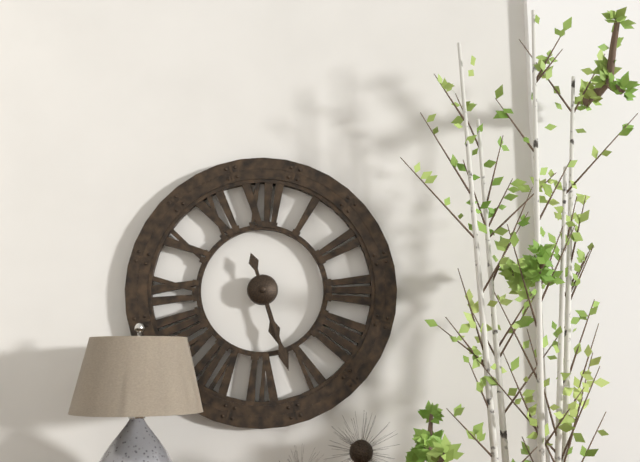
5:27
